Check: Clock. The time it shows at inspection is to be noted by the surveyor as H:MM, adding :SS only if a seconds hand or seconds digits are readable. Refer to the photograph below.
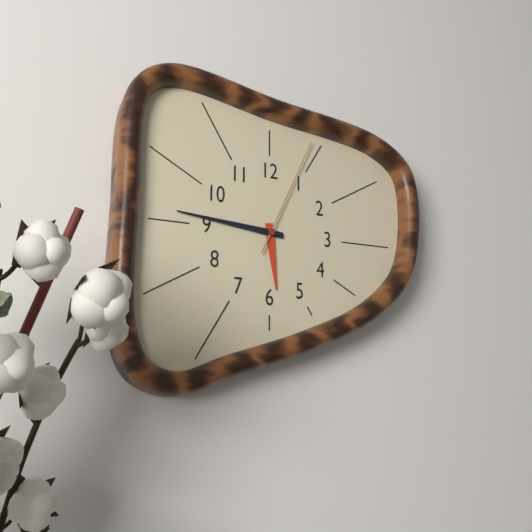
5:46:04
